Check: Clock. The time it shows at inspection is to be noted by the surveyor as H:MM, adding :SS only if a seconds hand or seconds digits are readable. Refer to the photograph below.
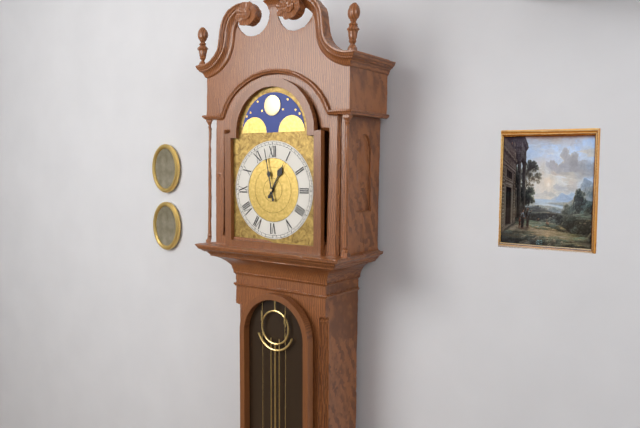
12:58
